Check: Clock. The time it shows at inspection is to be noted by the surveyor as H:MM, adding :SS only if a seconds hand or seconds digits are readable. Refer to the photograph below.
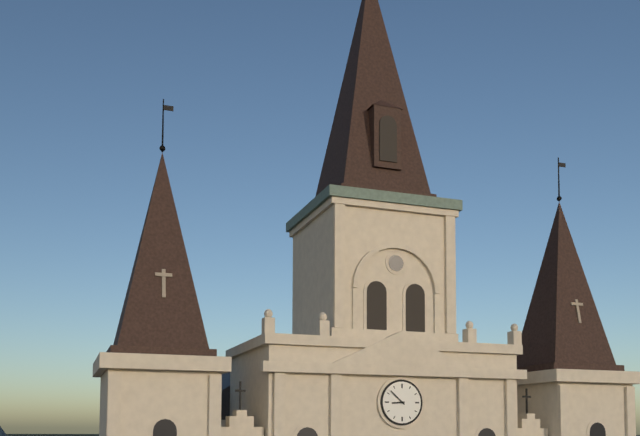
8:52
